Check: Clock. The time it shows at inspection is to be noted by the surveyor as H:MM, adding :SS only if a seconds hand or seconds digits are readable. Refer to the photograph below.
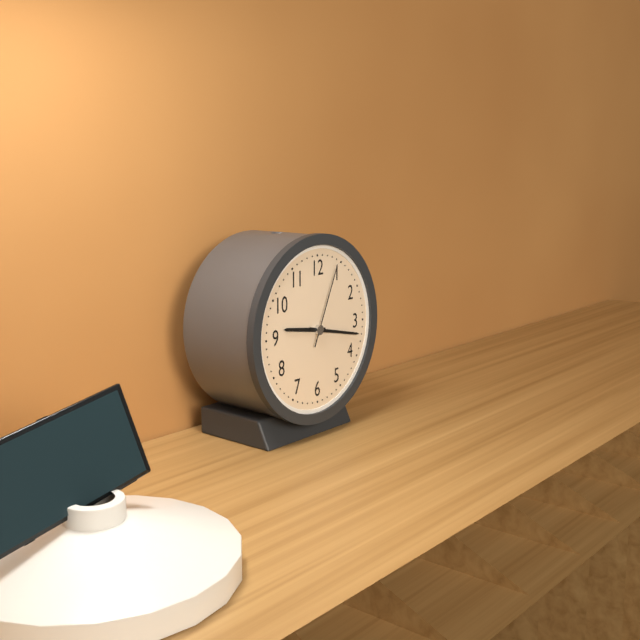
9:17:04
